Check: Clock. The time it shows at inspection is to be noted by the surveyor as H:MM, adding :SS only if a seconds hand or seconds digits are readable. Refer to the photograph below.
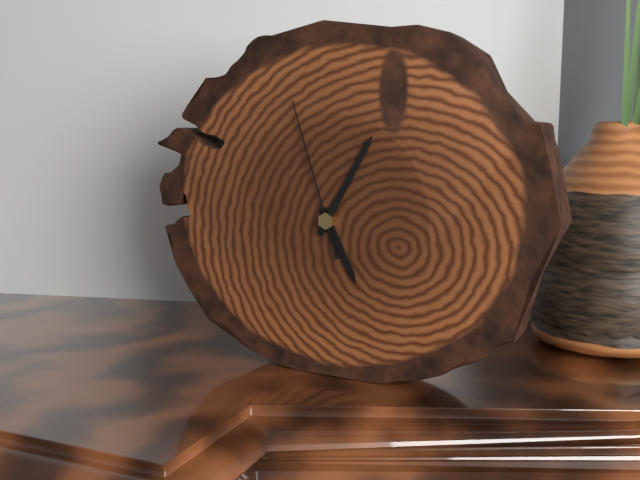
5:05:57
